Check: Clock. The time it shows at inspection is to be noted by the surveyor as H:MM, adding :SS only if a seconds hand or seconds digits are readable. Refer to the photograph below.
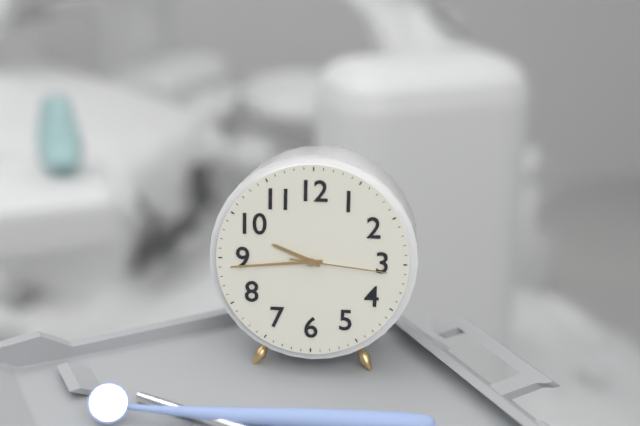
9:44:16
